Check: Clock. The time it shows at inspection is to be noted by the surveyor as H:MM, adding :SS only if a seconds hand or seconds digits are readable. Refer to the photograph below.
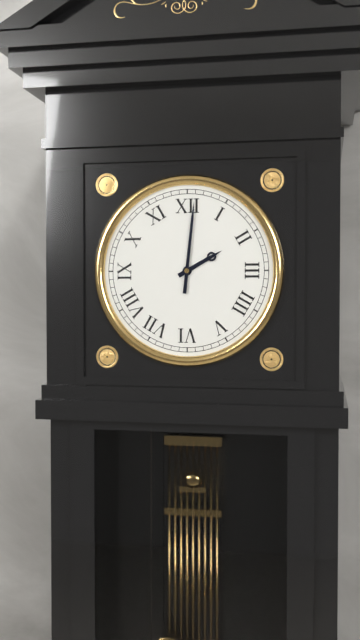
2:01
